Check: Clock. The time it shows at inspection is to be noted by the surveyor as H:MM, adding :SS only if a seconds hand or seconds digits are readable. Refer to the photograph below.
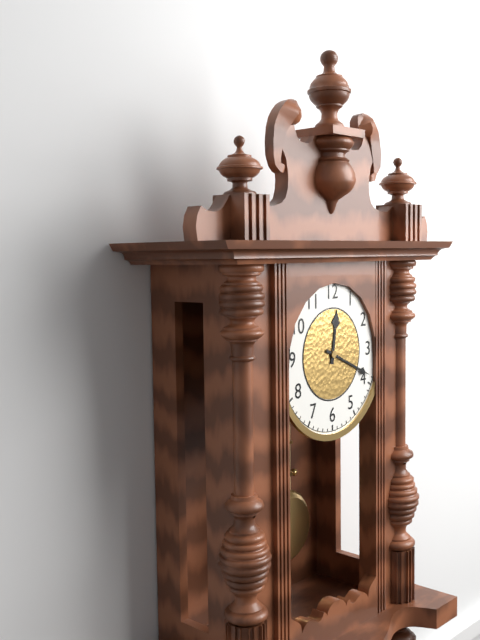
12:19
